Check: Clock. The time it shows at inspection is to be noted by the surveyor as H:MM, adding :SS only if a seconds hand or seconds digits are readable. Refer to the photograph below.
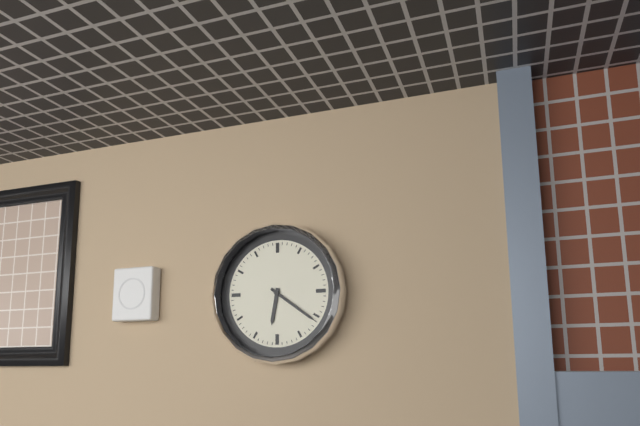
6:21
